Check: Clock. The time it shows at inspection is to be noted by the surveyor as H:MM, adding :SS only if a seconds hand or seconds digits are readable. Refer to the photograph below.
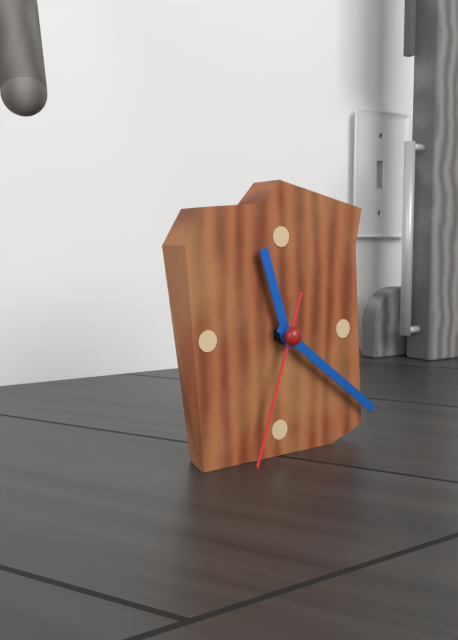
11:21:33
